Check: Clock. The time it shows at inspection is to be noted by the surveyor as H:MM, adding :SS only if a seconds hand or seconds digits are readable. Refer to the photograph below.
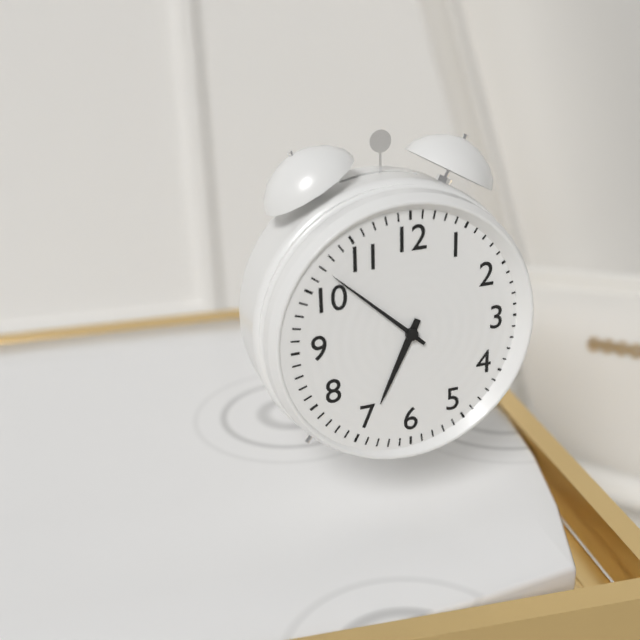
6:52
